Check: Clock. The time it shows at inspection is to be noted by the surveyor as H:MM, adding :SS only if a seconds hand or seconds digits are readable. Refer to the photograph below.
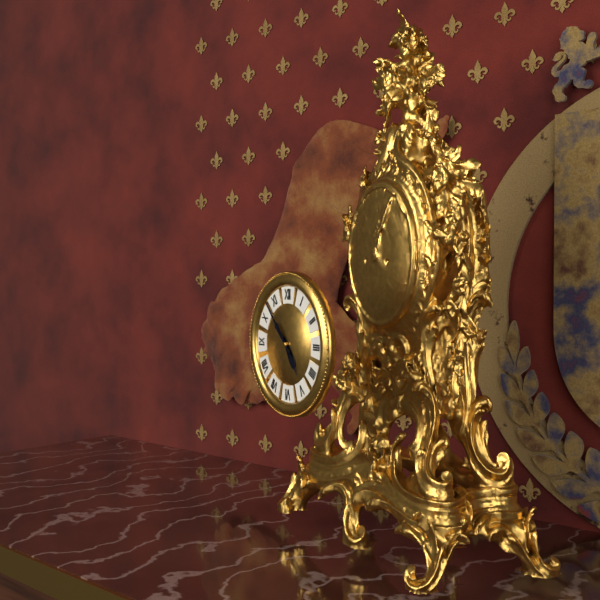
4:53
